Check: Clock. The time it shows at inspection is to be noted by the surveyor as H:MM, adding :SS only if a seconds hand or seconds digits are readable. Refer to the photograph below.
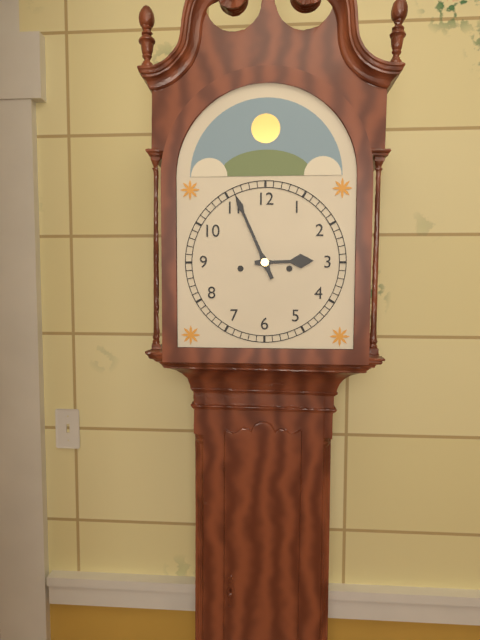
2:56
